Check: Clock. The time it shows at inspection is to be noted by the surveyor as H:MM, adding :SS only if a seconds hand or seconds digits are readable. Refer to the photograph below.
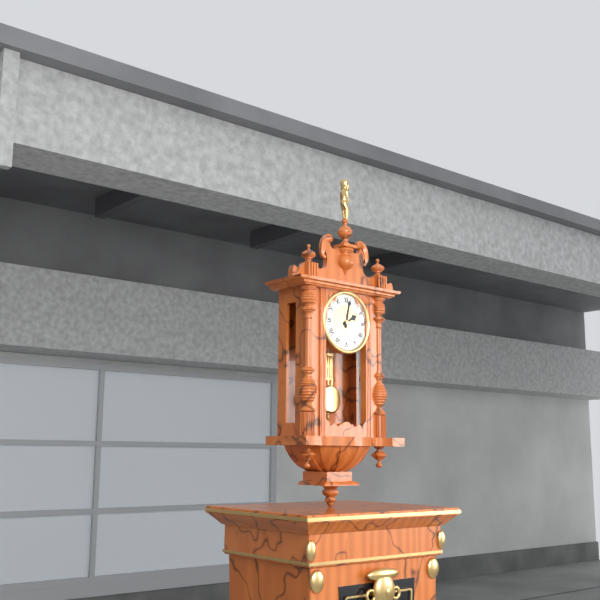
2:02
